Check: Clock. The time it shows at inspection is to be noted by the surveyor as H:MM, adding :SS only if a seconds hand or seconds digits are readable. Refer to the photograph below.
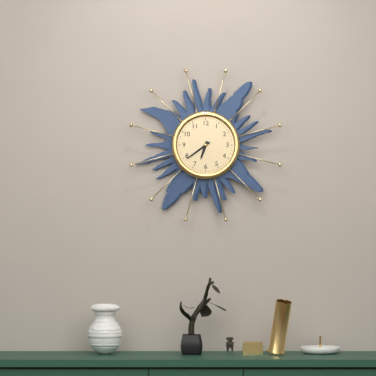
6:39
